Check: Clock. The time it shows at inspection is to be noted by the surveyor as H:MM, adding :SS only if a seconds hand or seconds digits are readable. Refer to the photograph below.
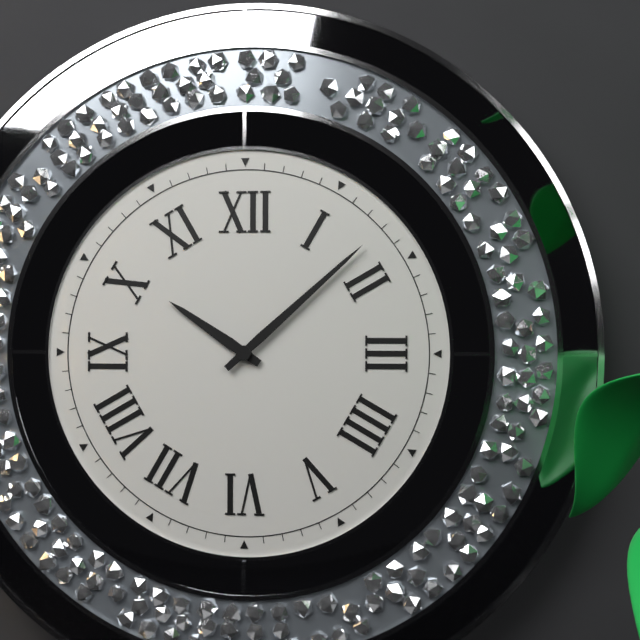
10:08
